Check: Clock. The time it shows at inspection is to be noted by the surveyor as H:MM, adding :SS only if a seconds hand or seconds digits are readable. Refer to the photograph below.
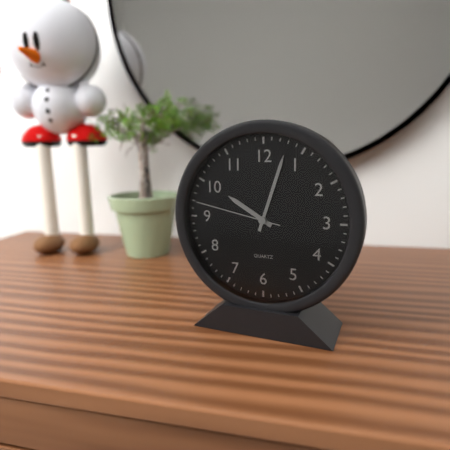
10:03:47
